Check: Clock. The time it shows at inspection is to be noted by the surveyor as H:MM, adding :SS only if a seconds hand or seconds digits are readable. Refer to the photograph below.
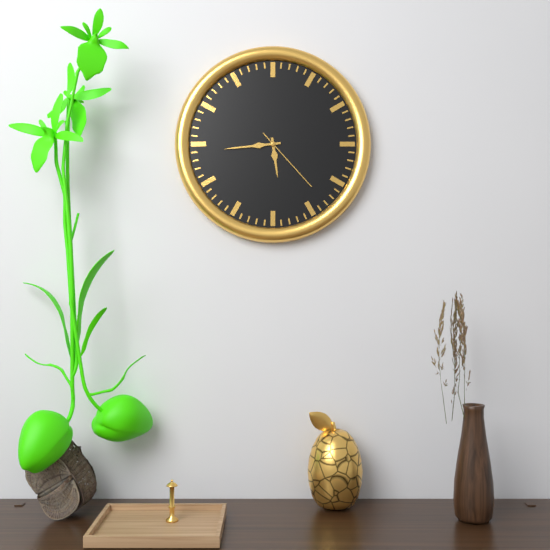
5:44:23
